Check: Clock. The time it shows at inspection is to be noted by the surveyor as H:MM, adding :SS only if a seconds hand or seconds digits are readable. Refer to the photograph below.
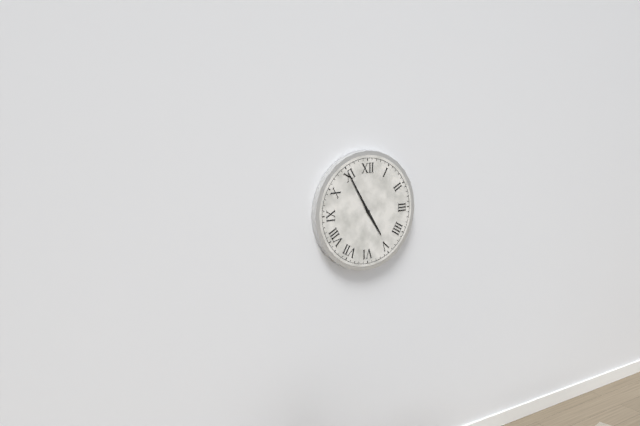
4:55
